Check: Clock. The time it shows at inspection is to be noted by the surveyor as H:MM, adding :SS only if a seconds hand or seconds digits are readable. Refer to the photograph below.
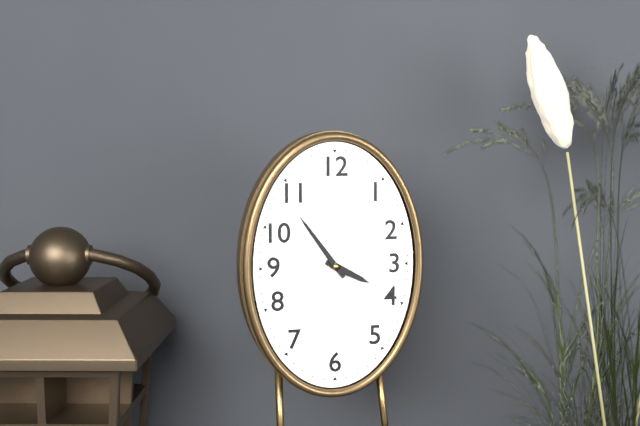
3:54
